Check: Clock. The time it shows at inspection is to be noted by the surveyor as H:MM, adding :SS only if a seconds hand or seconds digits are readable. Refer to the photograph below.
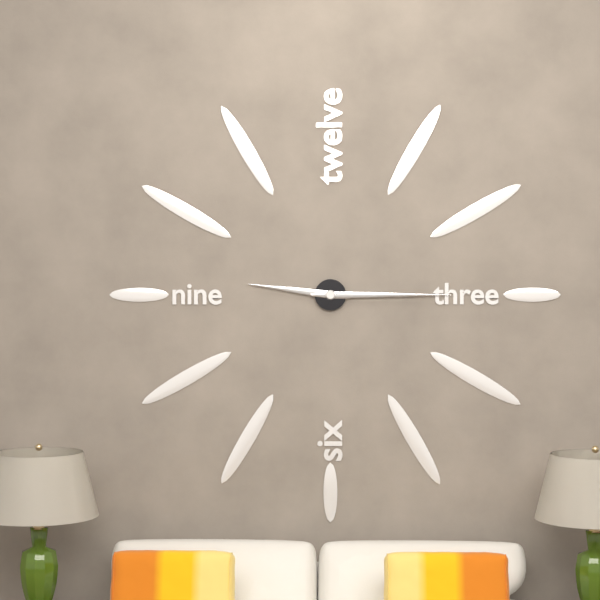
9:15
